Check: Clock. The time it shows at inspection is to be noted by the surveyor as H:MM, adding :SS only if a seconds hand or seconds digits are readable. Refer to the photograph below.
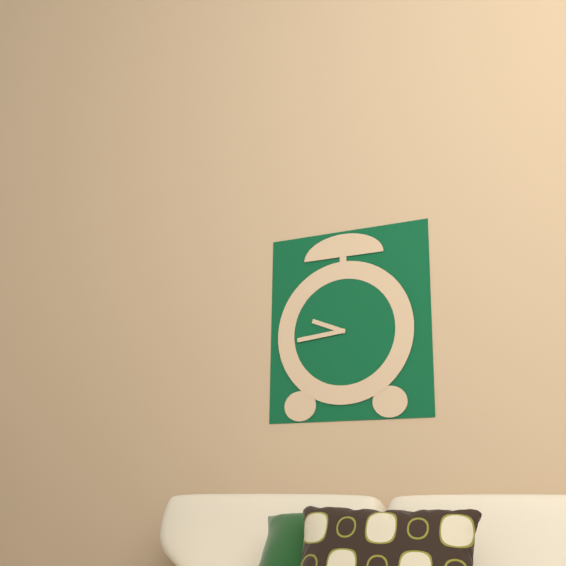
9:44
